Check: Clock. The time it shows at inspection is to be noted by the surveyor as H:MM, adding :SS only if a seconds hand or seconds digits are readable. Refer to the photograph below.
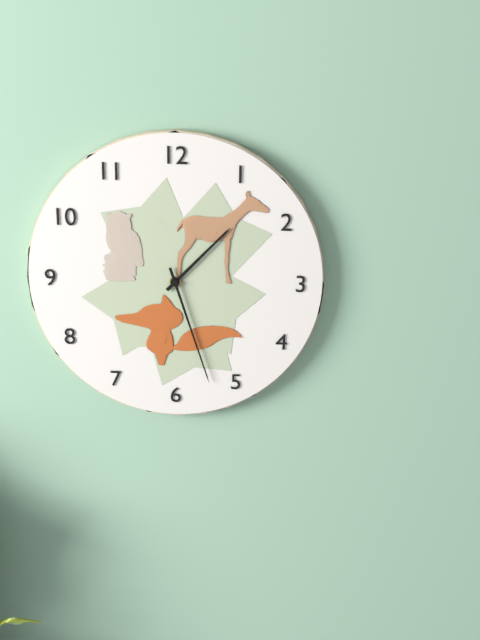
1:27
